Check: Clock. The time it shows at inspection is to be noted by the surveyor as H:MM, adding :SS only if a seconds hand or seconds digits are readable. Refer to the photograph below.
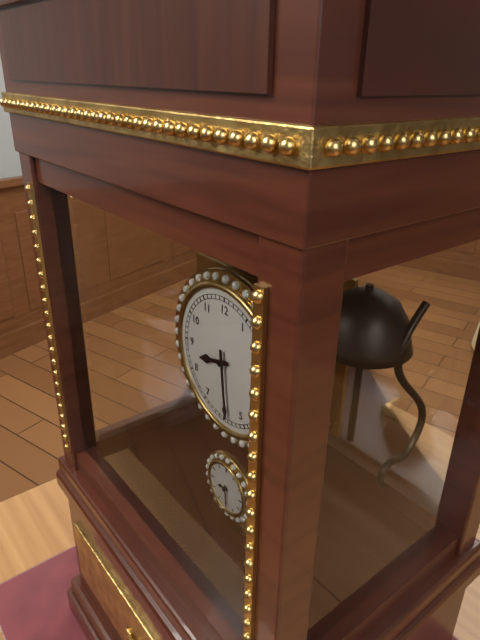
8:29
